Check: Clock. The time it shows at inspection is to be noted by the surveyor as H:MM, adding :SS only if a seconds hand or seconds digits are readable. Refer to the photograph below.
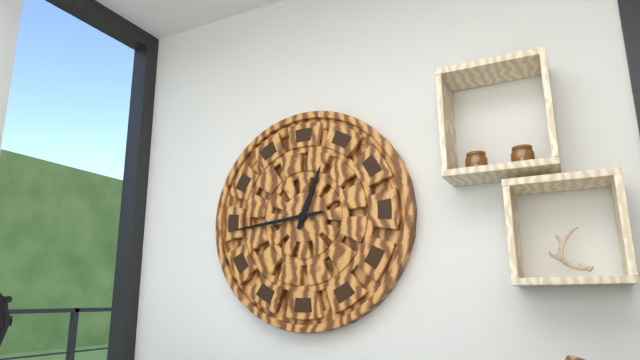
12:44
